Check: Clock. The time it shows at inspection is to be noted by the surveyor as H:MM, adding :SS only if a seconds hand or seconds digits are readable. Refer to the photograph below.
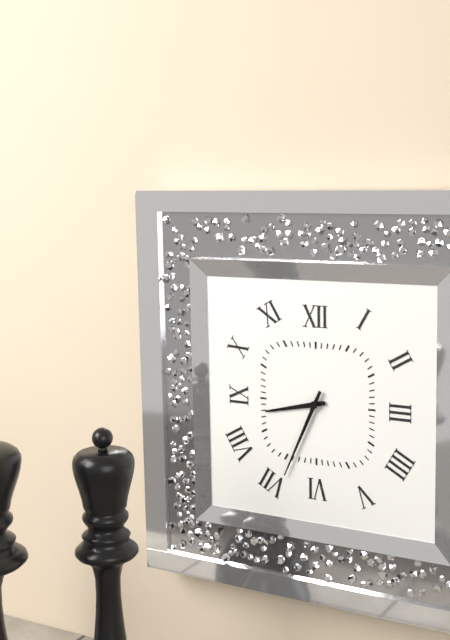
8:34
